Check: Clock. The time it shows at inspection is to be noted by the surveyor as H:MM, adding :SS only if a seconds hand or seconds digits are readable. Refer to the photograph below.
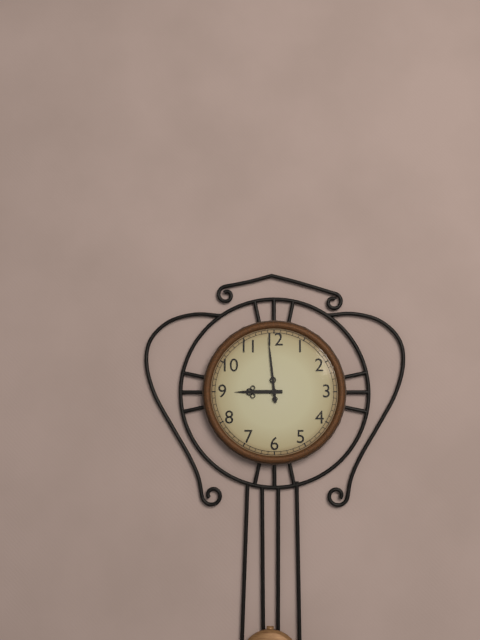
8:59
